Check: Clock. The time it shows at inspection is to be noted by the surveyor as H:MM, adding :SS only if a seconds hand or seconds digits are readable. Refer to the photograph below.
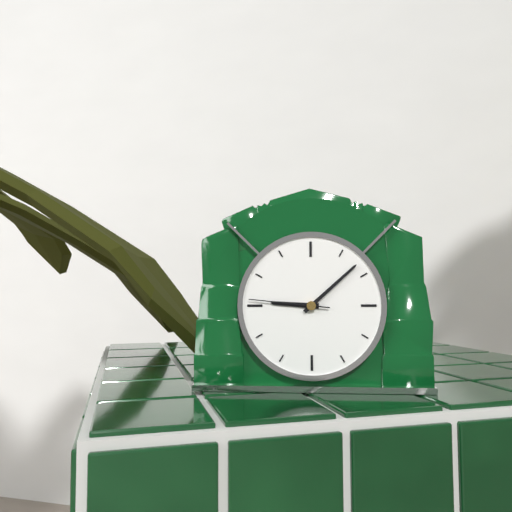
9:08:46
